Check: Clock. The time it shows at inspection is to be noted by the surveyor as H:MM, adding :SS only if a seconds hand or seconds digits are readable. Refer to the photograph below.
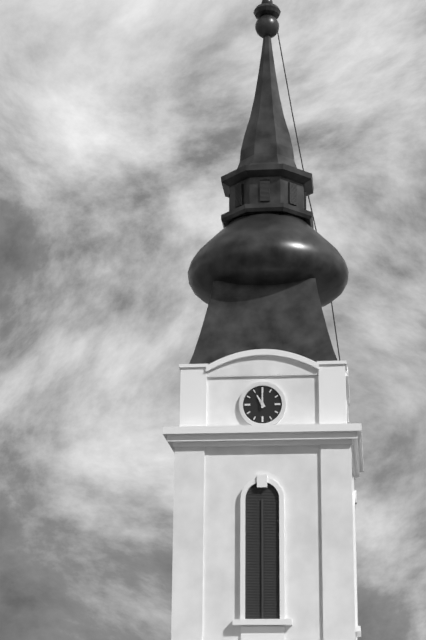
11:00
